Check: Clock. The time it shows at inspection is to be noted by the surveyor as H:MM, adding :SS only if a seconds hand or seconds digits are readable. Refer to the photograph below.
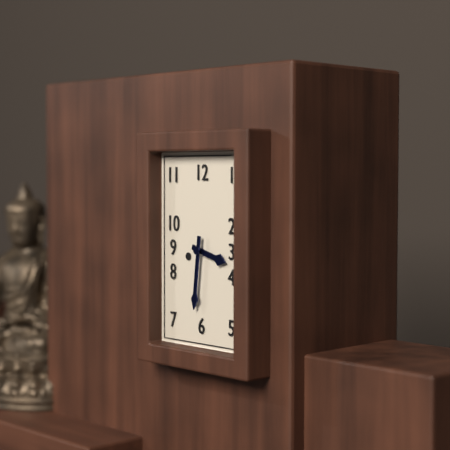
3:31
